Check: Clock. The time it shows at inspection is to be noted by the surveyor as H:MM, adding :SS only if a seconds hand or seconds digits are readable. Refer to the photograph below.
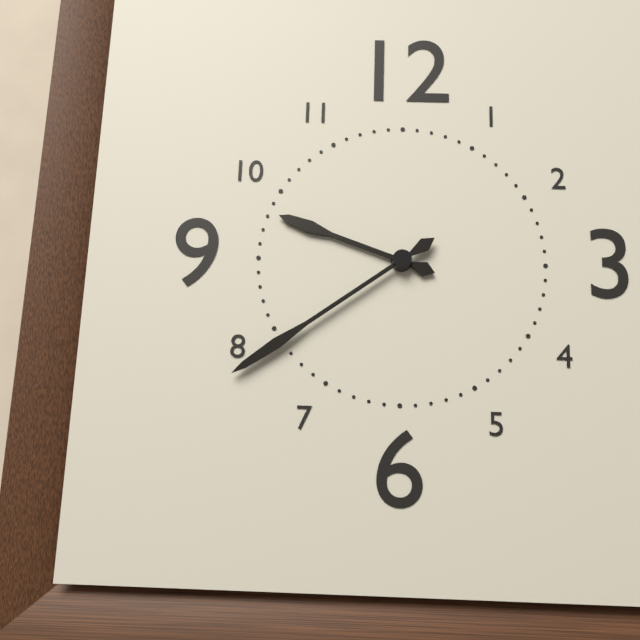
9:39
